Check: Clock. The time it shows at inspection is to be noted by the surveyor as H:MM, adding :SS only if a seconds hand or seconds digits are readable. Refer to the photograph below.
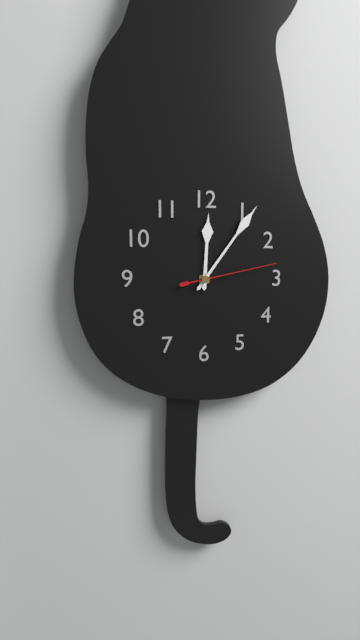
12:06:13
